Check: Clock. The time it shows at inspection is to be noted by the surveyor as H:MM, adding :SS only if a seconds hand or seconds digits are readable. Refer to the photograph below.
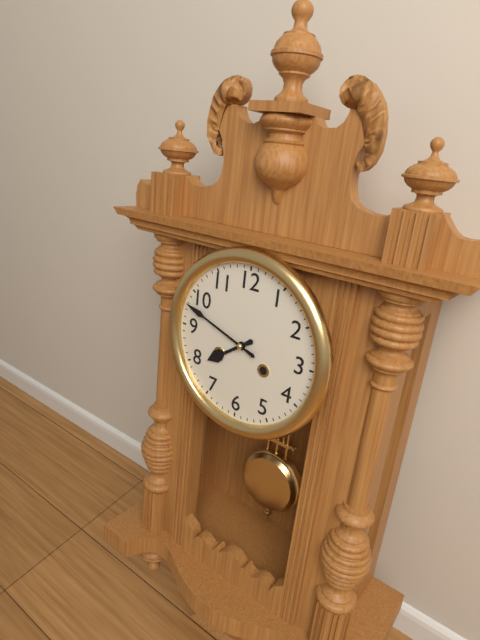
7:48
